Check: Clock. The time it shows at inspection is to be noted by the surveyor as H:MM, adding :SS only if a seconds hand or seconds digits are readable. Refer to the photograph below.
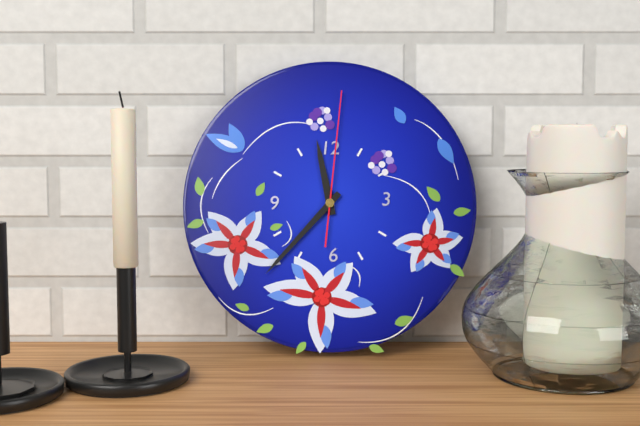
11:37:01
